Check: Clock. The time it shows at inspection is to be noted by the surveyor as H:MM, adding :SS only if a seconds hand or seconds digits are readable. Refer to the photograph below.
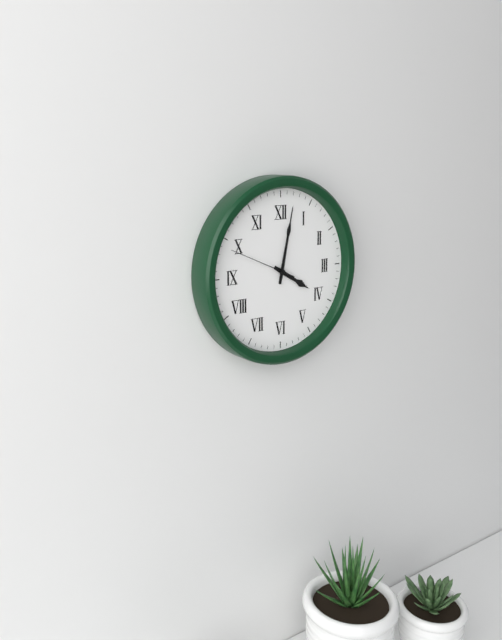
4:02:49
